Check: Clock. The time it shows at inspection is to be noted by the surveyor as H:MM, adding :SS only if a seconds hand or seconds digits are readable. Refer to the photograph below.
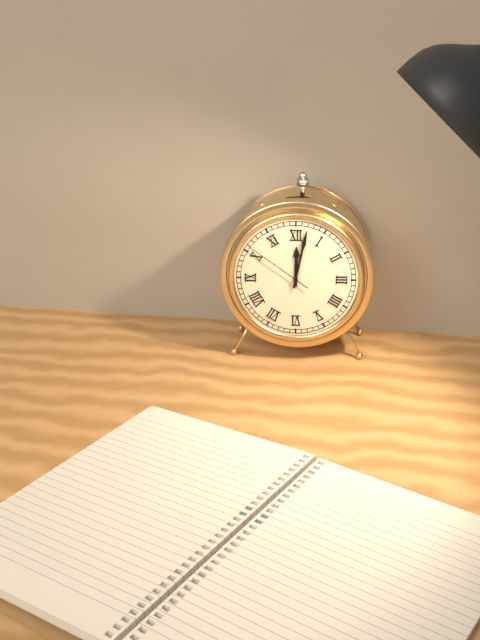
12:02:51
